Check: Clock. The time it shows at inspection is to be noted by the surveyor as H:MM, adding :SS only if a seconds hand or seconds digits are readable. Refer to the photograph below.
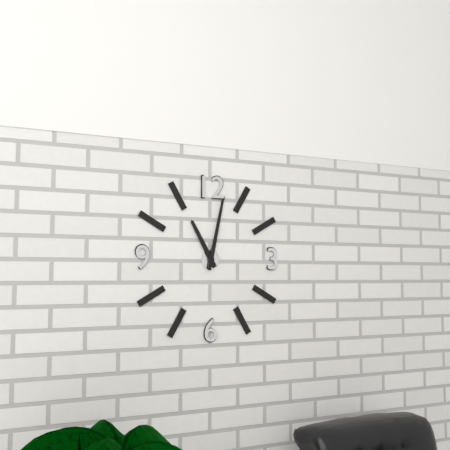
11:02
